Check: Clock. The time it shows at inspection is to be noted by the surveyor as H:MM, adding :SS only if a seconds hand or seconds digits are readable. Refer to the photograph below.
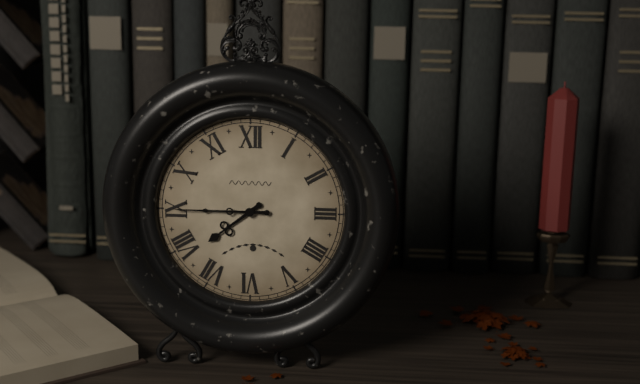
7:45
